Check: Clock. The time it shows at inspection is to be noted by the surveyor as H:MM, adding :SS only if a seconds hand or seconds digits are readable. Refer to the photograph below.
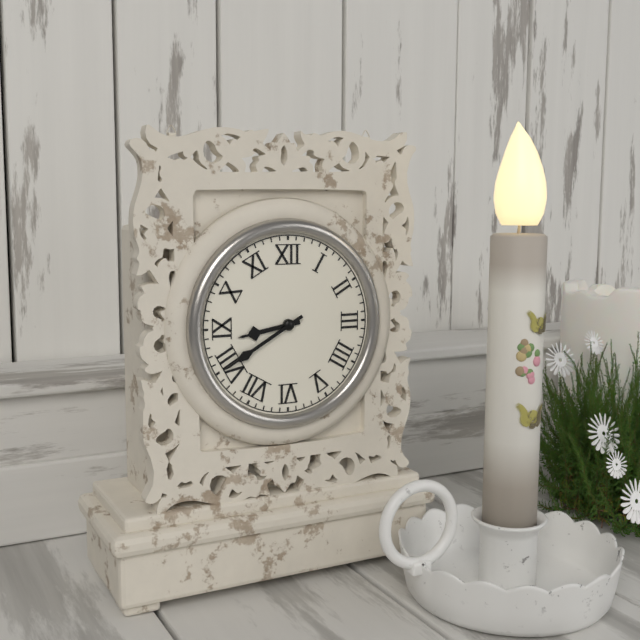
8:40
